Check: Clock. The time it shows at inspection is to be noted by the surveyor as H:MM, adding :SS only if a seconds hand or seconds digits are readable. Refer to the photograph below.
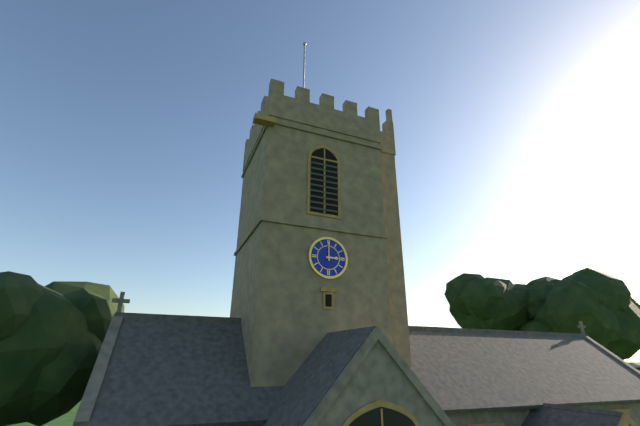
3:00
